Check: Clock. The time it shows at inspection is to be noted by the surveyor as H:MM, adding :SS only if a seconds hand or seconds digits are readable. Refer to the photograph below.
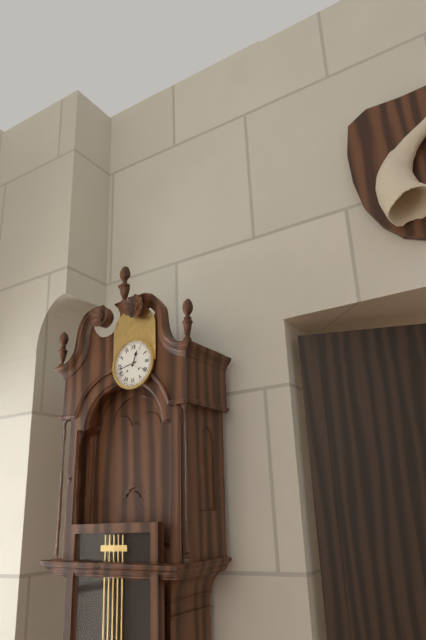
12:43
